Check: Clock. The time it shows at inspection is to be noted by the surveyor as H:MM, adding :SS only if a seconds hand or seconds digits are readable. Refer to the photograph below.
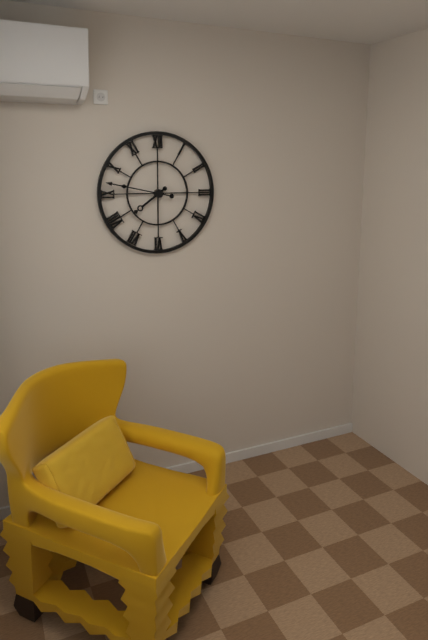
7:47
